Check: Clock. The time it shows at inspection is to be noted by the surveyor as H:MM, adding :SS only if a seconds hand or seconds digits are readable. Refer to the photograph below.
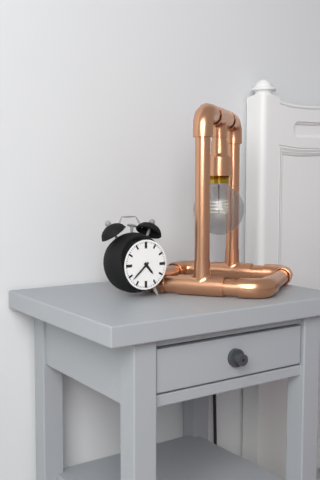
4:38
